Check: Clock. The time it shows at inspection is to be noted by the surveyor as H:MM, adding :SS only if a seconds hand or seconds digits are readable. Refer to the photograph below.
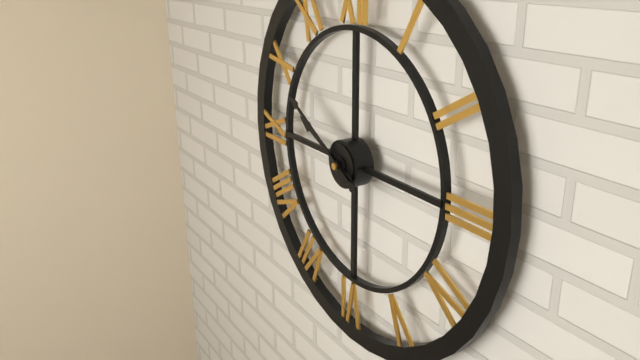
9:50
